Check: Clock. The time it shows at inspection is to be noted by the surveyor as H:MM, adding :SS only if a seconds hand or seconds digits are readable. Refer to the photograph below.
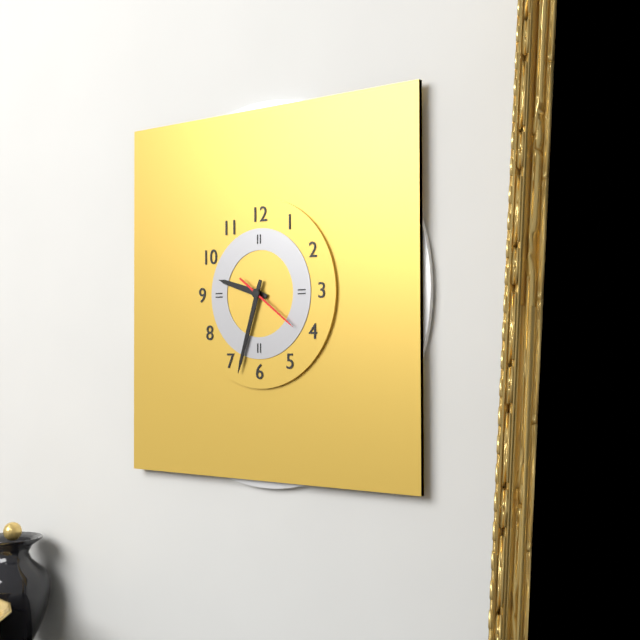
9:33:21
